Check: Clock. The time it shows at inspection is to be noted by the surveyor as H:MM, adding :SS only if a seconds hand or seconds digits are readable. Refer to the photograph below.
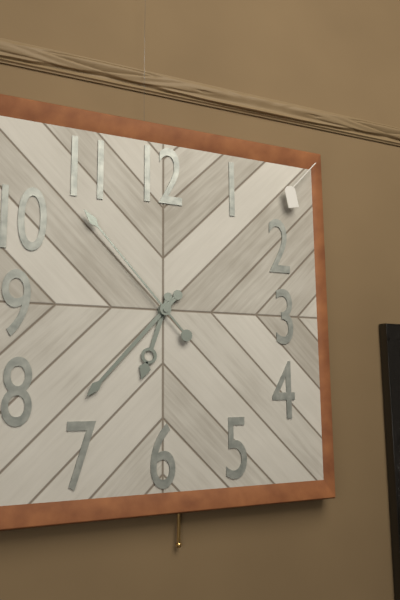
6:37:53
